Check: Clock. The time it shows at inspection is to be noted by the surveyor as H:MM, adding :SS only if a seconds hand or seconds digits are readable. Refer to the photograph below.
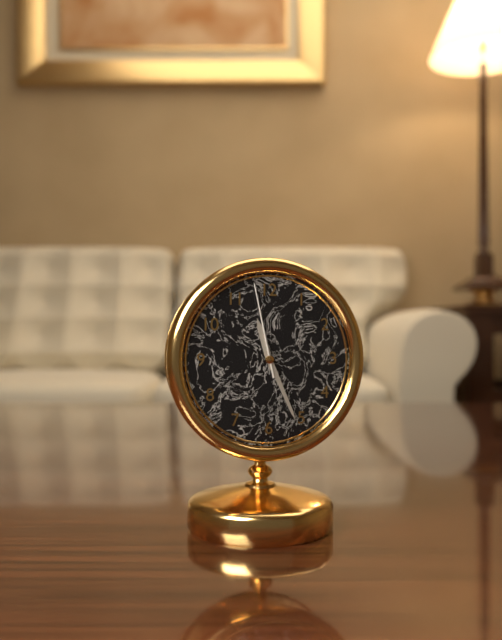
11:26:58
